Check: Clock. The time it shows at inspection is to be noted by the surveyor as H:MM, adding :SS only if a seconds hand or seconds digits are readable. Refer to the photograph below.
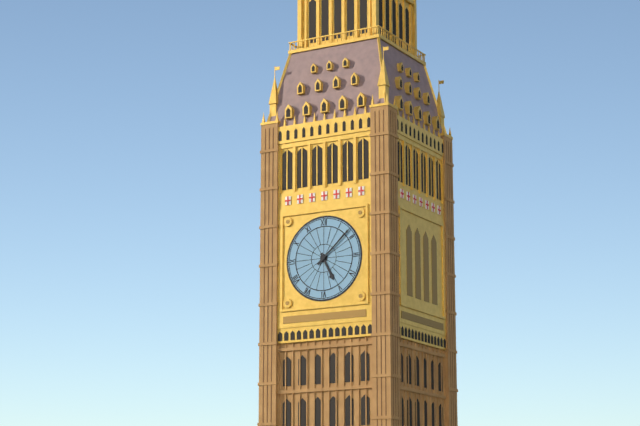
5:08
